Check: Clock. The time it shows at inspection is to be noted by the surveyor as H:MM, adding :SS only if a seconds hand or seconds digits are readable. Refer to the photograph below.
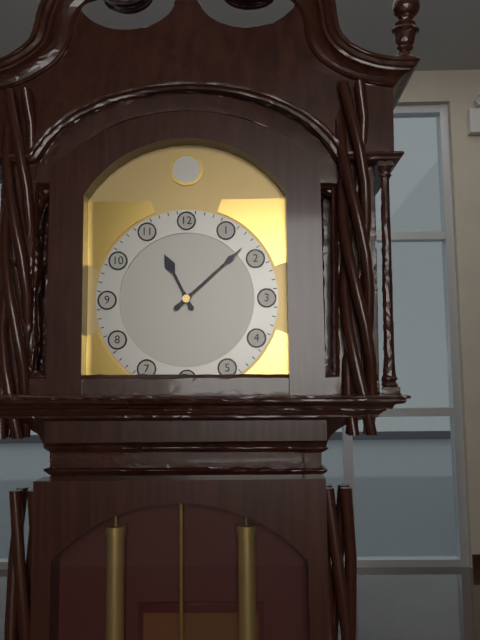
11:08
